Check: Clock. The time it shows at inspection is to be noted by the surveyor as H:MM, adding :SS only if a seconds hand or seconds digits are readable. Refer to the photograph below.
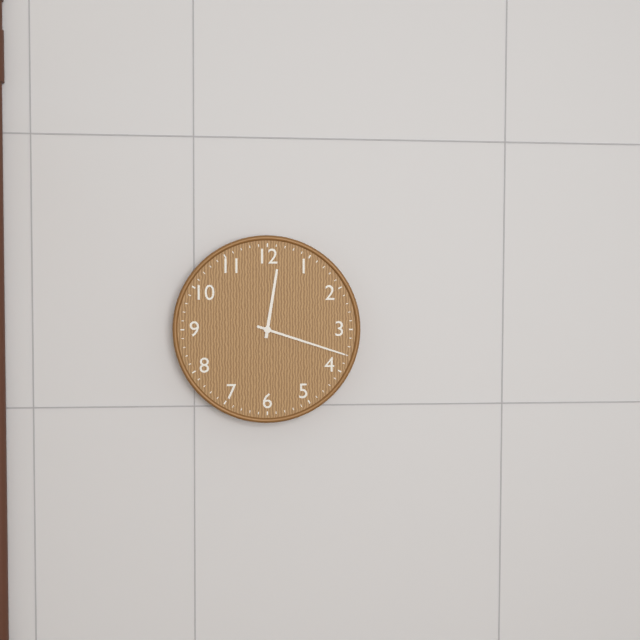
12:18
